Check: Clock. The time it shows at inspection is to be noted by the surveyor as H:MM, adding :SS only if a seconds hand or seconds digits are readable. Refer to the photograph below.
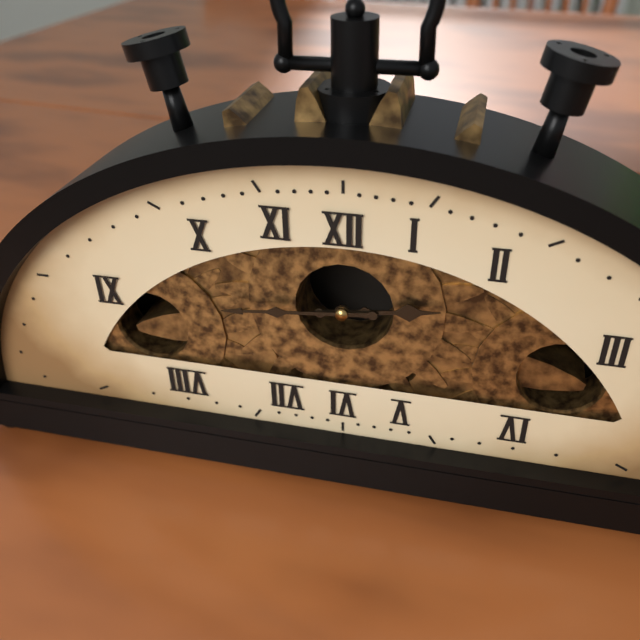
2:44
